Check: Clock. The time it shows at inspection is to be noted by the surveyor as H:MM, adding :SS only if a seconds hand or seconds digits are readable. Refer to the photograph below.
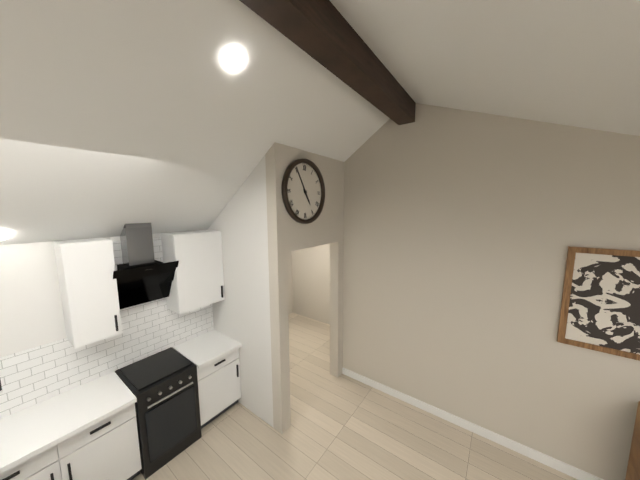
4:55
